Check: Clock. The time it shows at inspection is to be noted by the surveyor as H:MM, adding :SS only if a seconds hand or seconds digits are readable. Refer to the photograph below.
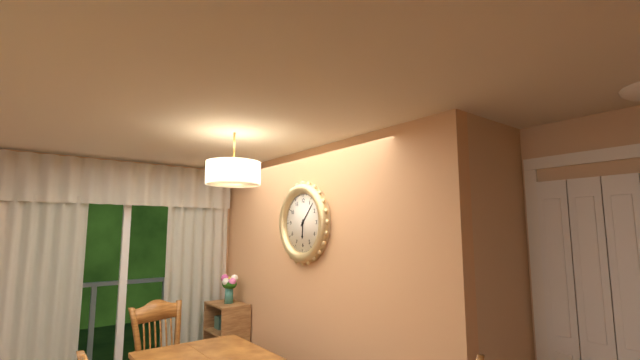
6:07
